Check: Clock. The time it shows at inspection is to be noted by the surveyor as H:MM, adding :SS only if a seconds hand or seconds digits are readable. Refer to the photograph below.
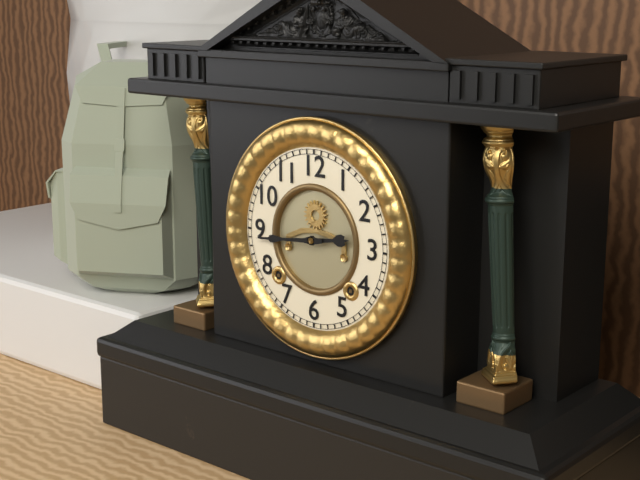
2:44
